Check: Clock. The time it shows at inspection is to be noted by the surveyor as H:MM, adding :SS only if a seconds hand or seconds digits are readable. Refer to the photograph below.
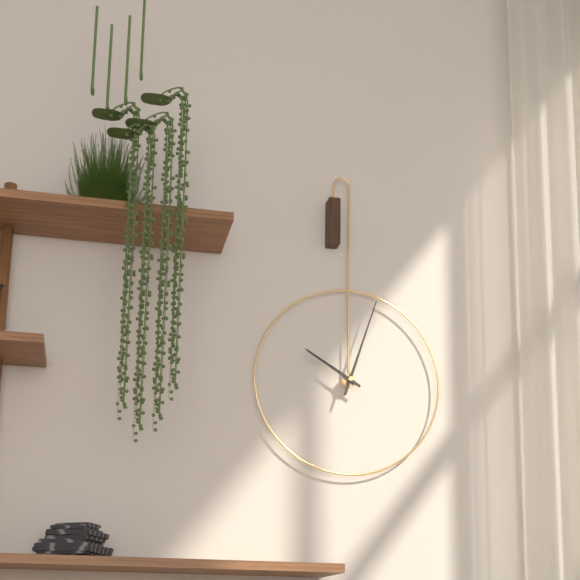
10:03
